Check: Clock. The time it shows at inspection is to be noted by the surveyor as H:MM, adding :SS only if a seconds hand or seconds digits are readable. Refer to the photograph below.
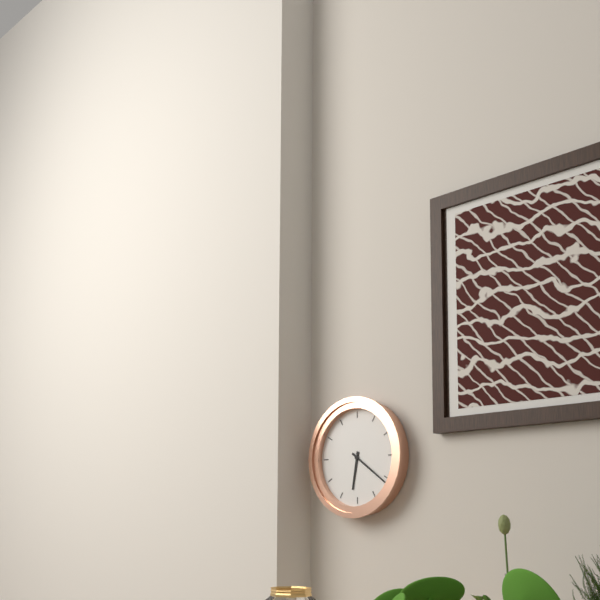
6:21
